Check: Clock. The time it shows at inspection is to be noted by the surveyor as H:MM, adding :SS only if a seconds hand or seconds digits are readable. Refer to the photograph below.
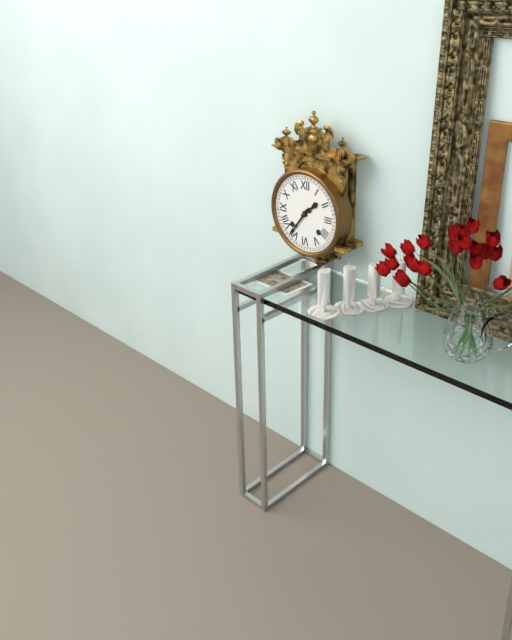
1:36
